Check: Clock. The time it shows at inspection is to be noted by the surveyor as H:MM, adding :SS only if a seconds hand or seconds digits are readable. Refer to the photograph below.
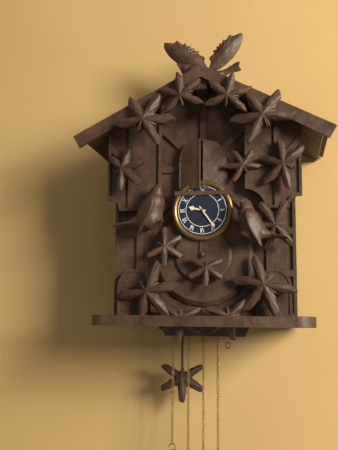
9:24
